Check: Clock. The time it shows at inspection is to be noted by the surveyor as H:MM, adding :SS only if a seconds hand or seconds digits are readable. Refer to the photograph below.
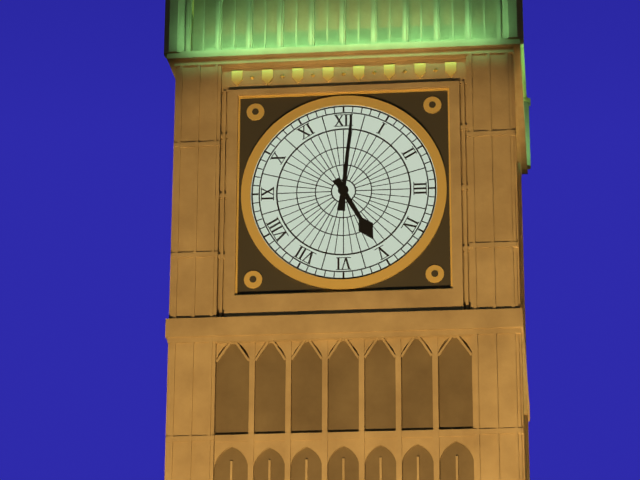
5:01
